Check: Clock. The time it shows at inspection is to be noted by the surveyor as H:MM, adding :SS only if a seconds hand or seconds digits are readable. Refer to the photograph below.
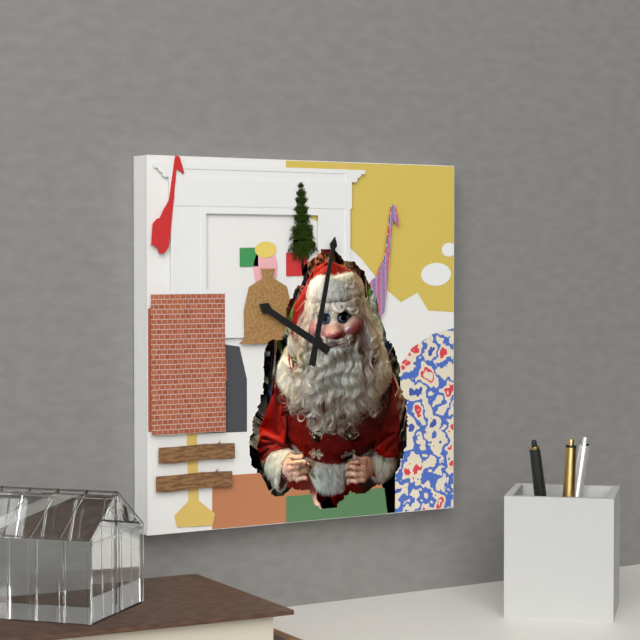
10:02
